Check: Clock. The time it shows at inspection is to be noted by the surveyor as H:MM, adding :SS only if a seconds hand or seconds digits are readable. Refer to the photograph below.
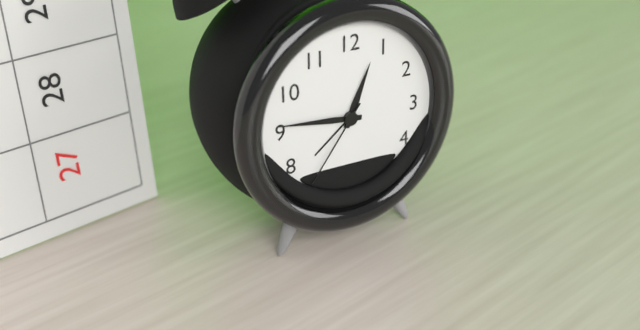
12:46:36
